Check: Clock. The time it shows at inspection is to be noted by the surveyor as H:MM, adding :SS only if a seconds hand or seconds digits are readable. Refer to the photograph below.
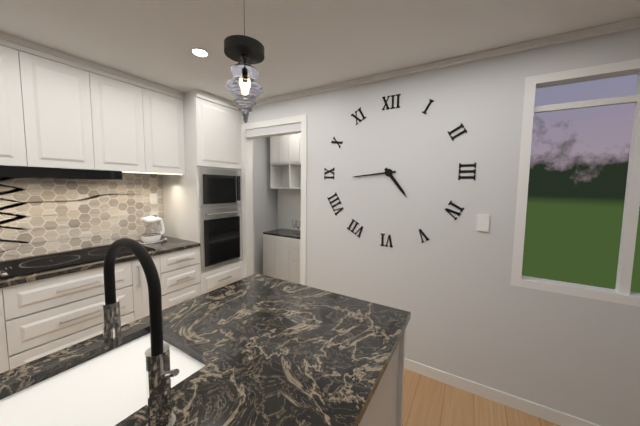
4:44
